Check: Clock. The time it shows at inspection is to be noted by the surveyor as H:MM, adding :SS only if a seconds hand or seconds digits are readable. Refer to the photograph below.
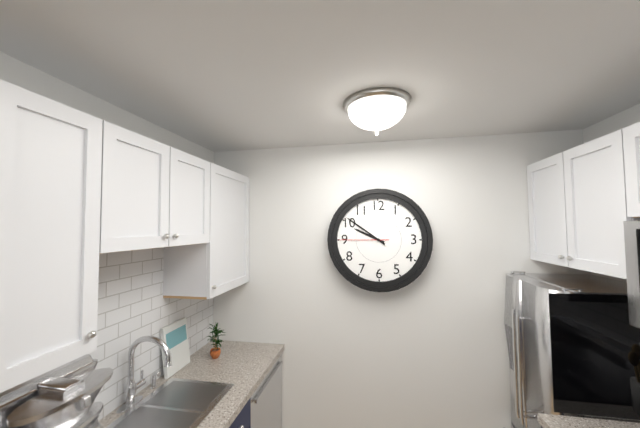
9:51:45
